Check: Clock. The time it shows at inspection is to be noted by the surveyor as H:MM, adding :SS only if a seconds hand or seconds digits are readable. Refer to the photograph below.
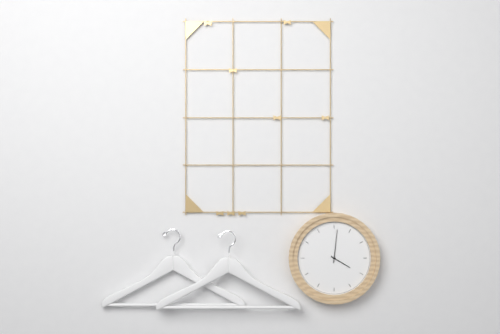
4:01
